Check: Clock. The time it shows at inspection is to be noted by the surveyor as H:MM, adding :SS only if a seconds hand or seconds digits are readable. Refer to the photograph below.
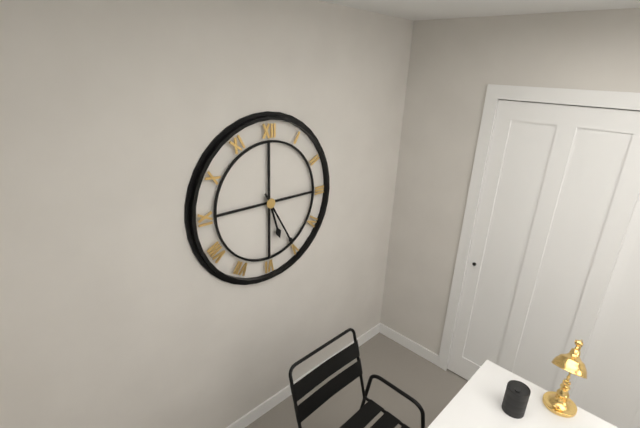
5:25
